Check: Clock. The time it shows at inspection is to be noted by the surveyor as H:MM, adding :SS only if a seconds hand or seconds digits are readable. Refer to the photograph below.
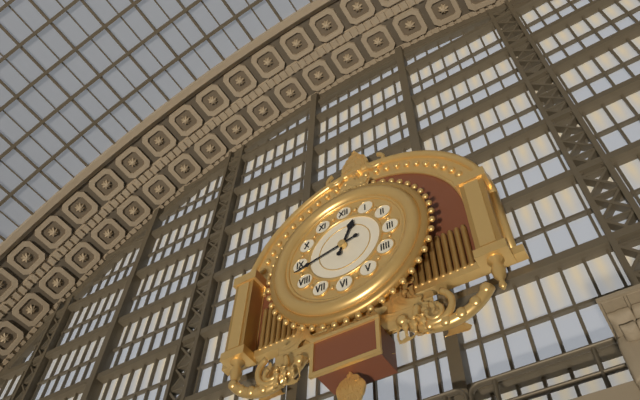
12:43
